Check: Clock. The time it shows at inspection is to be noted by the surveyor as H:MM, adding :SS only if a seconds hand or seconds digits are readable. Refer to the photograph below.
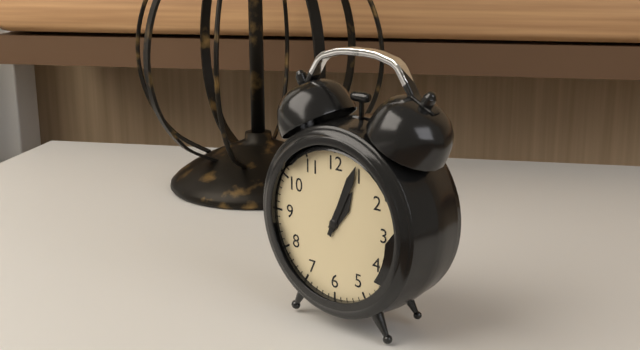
1:04
